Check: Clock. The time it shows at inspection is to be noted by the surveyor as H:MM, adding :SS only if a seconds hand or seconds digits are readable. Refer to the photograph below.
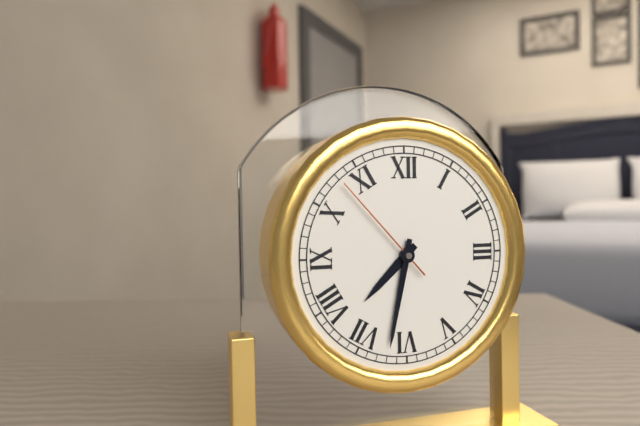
7:32:53
